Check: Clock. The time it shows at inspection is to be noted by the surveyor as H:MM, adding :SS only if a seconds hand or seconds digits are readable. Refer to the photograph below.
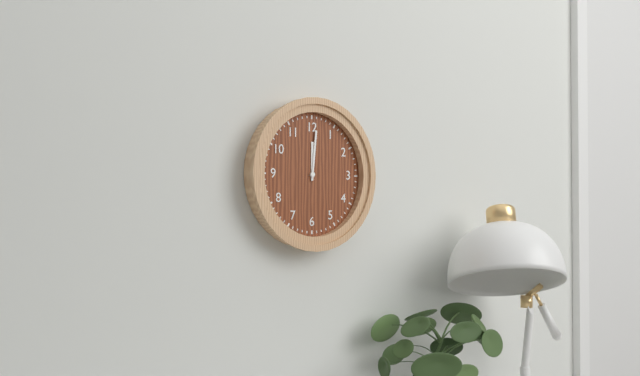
12:01
